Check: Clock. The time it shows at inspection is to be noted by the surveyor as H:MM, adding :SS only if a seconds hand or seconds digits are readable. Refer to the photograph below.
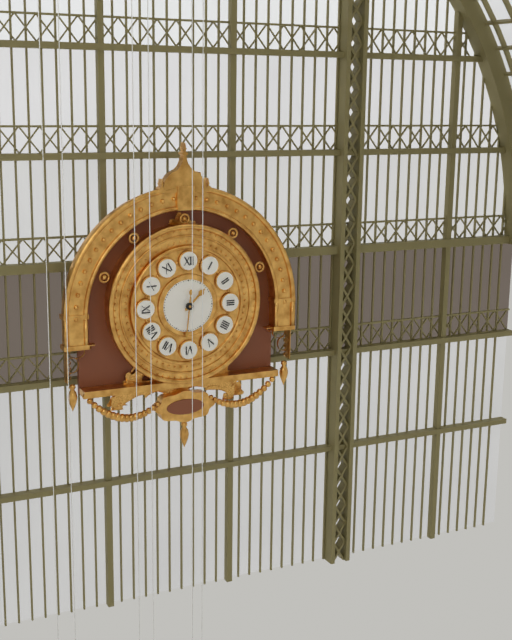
1:31
